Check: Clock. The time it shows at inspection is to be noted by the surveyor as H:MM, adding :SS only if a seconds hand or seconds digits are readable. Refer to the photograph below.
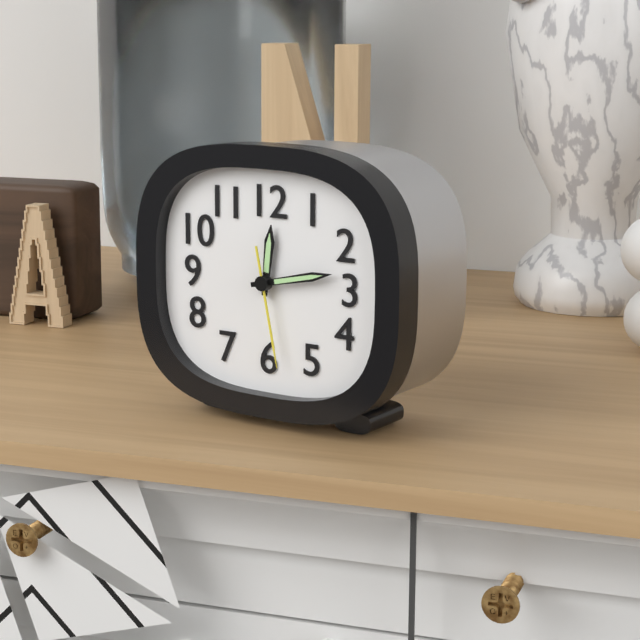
12:13:28
